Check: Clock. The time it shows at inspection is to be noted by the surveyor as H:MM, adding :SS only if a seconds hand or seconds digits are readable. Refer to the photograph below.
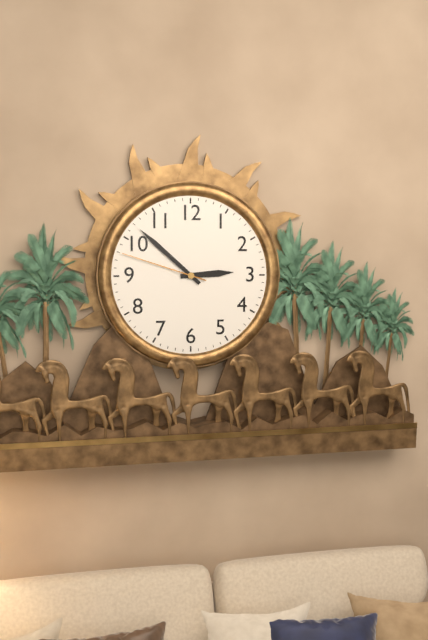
2:52:48
